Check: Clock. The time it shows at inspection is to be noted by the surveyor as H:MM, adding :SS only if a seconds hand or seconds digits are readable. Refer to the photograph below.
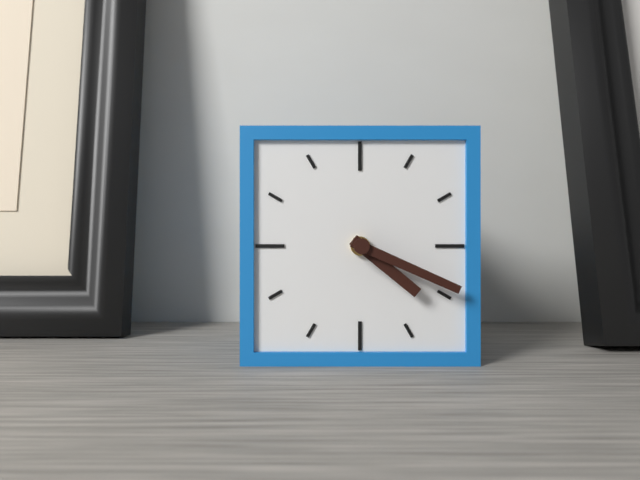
4:19
